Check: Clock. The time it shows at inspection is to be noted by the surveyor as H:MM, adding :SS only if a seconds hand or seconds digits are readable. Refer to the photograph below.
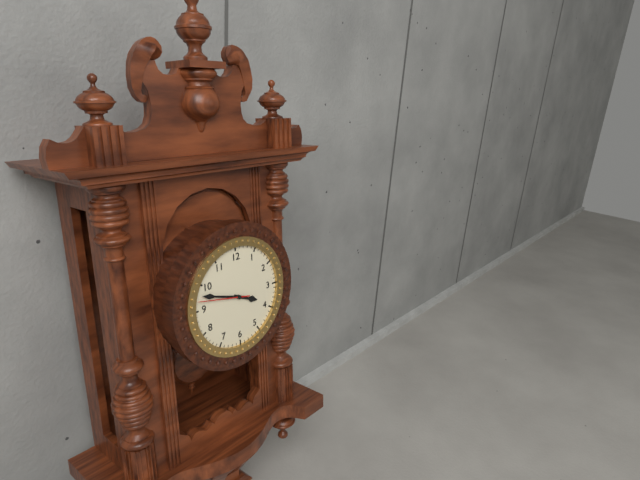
3:48
